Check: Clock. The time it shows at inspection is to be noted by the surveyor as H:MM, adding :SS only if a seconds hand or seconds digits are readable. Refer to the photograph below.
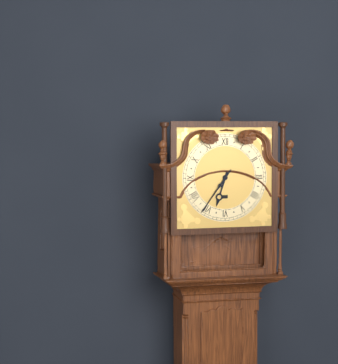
6:36
